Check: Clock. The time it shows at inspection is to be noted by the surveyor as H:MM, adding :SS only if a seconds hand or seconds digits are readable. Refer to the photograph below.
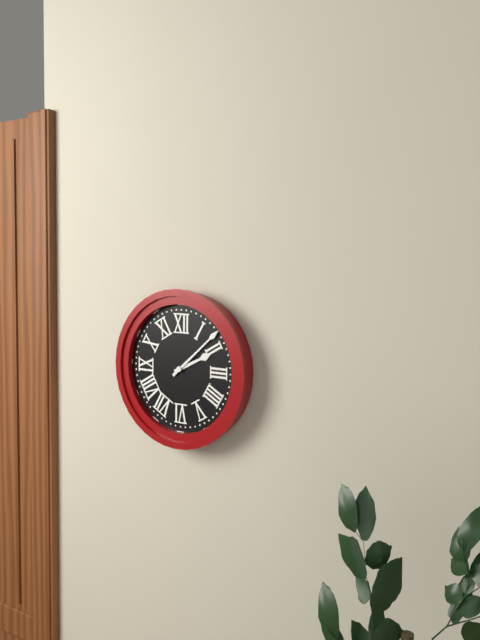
2:08
